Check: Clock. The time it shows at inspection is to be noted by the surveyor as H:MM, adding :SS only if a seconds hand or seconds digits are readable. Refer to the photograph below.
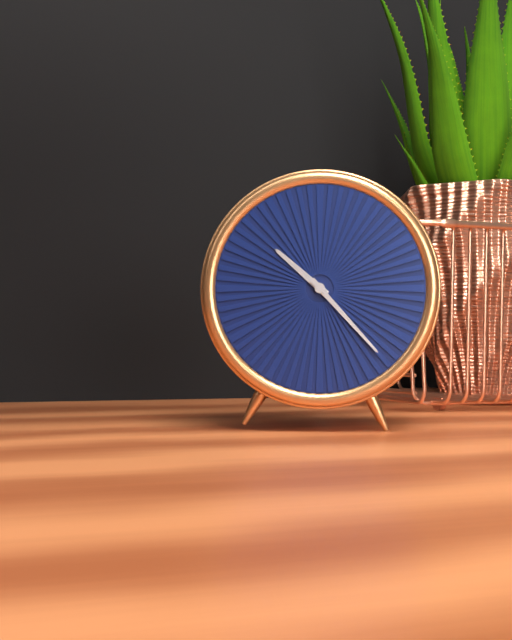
10:23
